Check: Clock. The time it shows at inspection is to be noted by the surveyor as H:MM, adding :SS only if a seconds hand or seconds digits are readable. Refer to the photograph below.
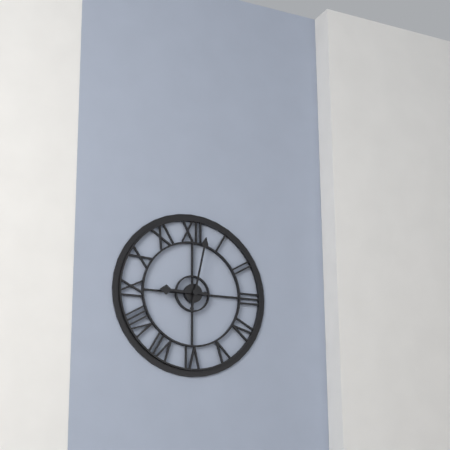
9:02
